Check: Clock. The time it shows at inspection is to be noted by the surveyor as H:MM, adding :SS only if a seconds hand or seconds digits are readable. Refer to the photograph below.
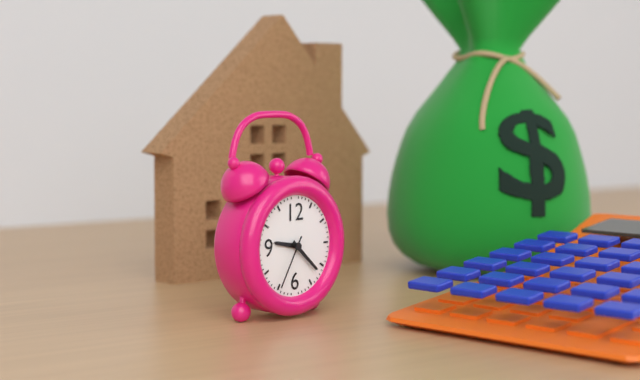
9:22:35
